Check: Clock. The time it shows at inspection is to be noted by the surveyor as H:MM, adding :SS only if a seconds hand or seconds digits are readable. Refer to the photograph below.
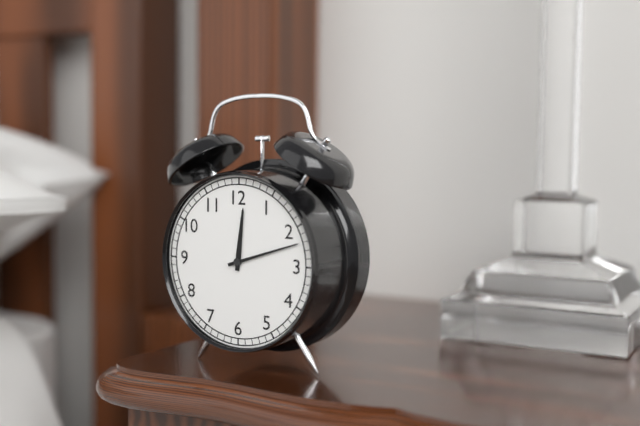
12:12
